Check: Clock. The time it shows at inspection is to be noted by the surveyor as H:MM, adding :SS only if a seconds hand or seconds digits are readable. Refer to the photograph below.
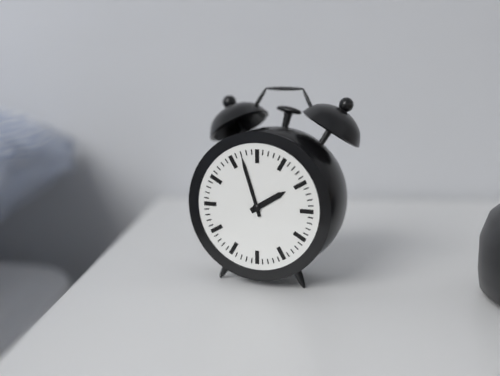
1:57
